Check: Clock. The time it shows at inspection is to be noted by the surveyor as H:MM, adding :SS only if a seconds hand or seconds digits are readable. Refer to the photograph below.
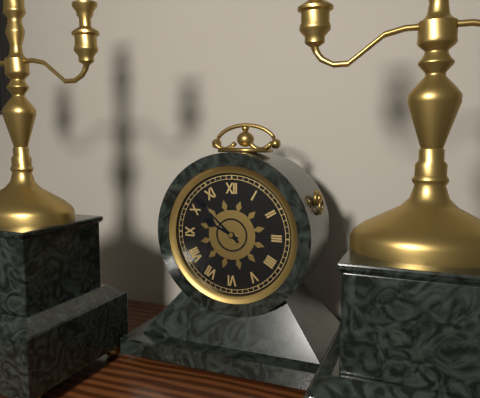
9:52
